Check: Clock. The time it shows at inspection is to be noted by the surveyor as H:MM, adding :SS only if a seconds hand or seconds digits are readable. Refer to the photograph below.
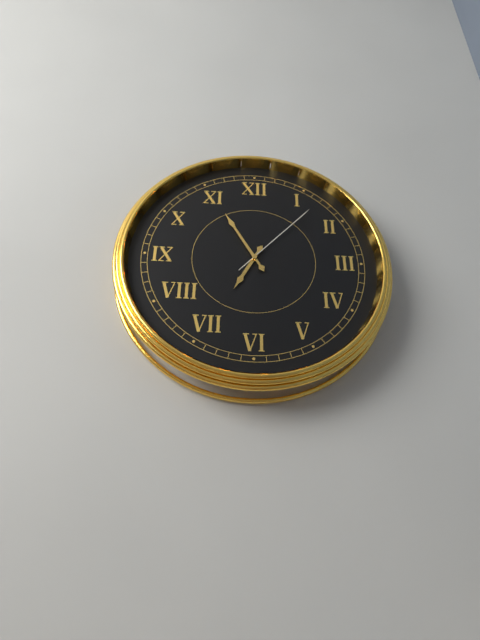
6:55:07
